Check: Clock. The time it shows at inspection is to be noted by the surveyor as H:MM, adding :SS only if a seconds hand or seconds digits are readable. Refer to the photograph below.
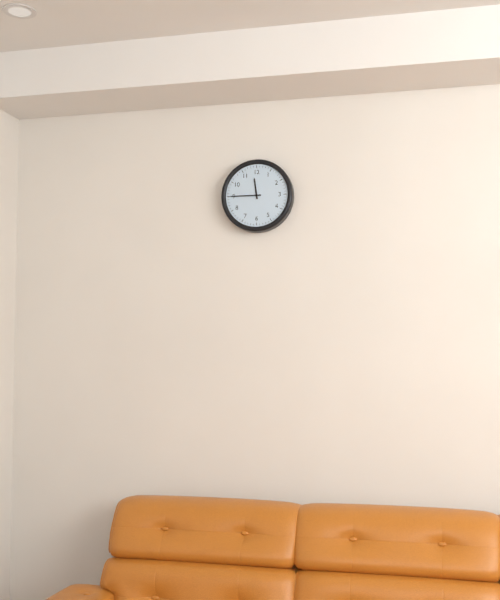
11:45
